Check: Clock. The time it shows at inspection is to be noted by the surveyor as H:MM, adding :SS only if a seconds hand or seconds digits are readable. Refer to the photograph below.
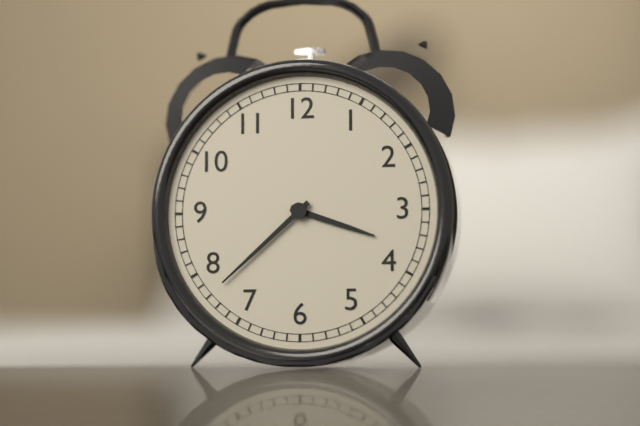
3:38
